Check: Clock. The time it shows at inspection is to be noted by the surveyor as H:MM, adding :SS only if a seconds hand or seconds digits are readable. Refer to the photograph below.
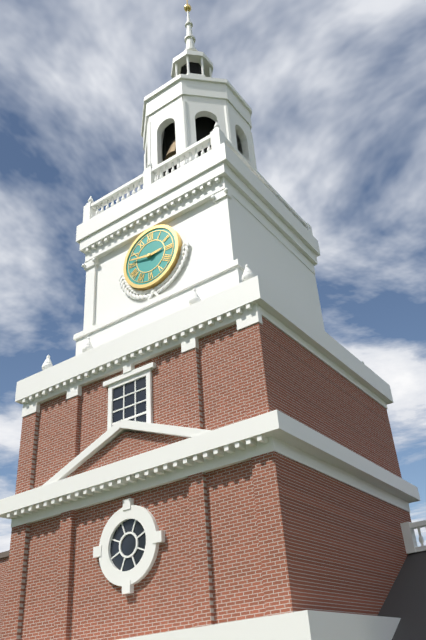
2:47
